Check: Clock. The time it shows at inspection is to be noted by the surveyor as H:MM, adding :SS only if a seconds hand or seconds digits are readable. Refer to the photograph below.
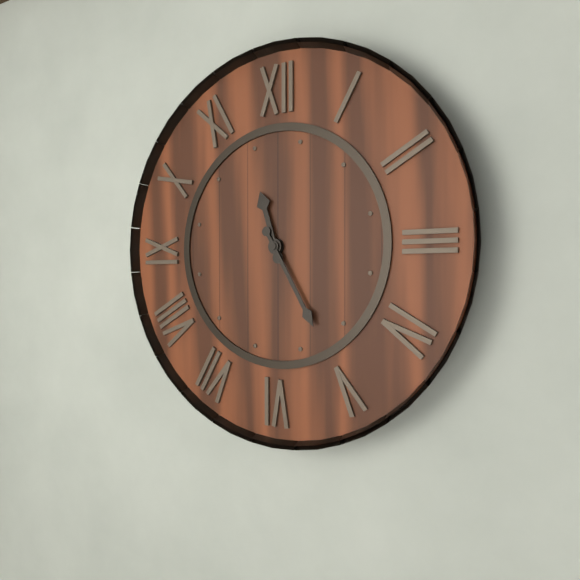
11:25
